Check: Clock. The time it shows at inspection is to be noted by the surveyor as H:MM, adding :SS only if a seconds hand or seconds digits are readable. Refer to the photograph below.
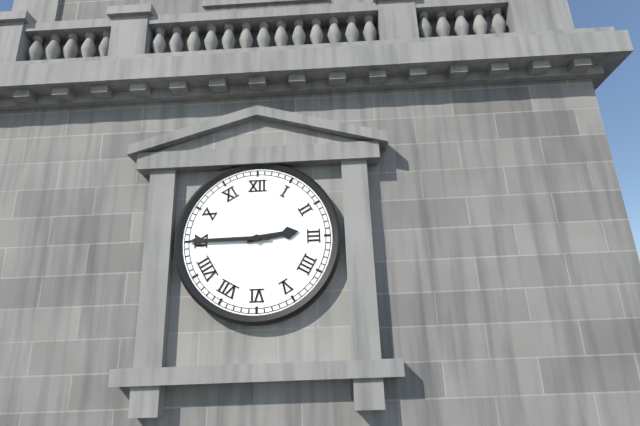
2:45
